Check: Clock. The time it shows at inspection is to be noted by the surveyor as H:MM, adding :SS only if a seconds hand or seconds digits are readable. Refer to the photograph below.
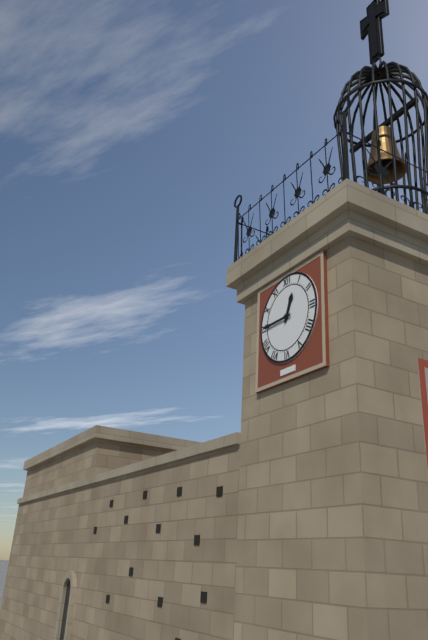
12:45
